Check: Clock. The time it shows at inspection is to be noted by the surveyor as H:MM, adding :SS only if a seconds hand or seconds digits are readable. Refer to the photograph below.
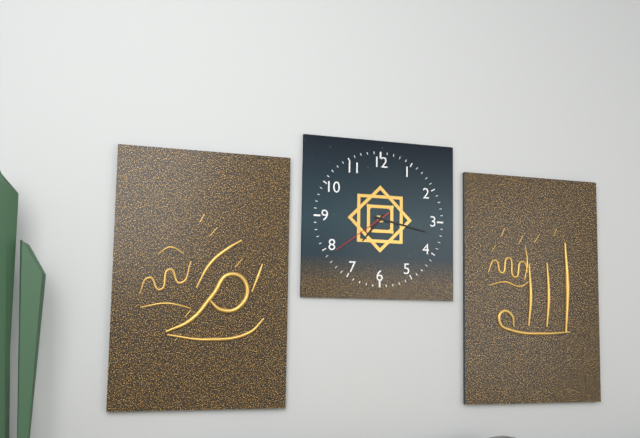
7:17:39
